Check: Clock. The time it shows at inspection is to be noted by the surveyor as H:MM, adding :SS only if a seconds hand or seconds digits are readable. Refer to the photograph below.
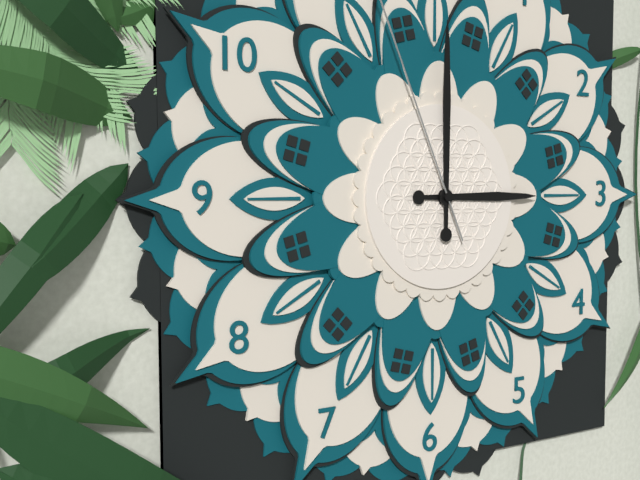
3:00
